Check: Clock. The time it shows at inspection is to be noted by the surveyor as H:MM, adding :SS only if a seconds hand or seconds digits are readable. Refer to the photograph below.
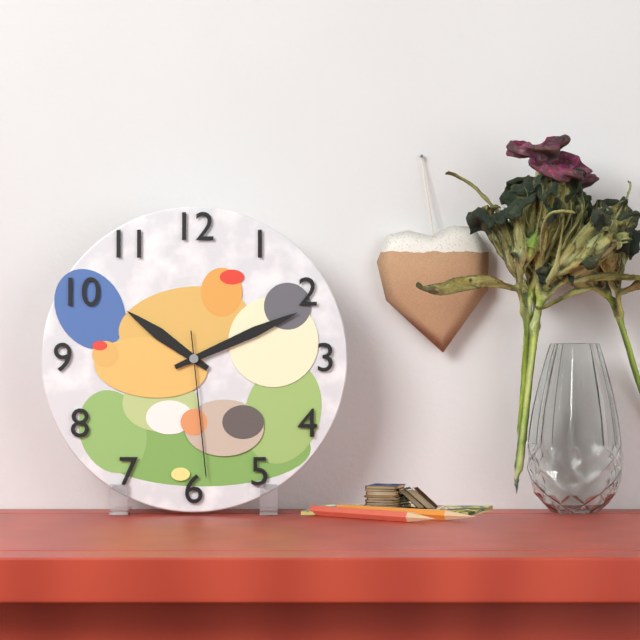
10:11:29
